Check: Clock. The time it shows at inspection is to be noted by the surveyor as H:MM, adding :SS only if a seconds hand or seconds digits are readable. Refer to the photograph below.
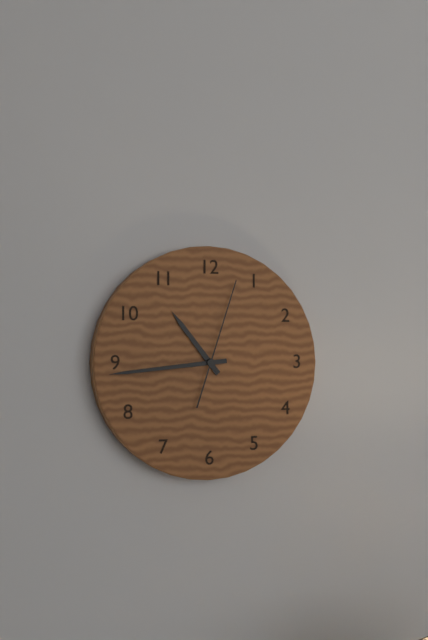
10:44:03
